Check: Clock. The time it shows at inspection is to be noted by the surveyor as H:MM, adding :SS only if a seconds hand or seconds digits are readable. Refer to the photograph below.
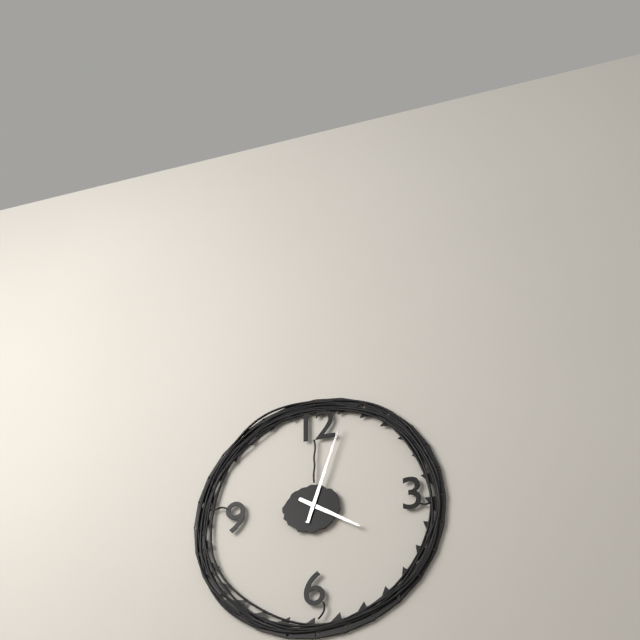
4:03
